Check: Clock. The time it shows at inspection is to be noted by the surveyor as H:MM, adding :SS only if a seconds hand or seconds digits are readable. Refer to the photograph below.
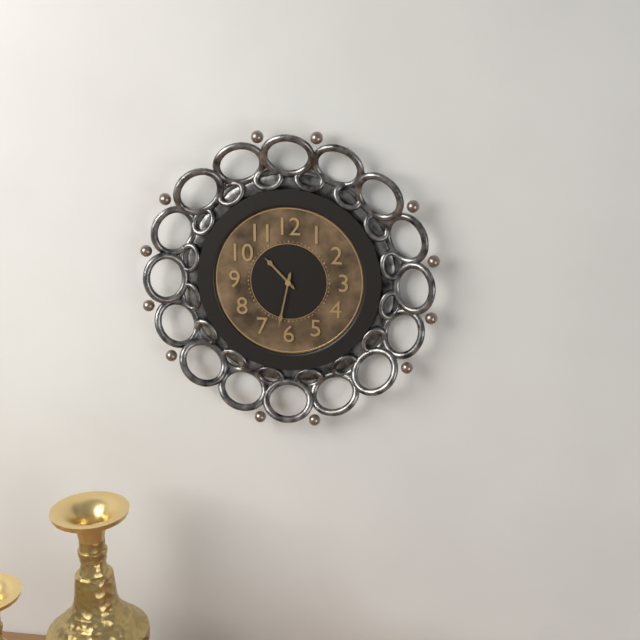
10:32
